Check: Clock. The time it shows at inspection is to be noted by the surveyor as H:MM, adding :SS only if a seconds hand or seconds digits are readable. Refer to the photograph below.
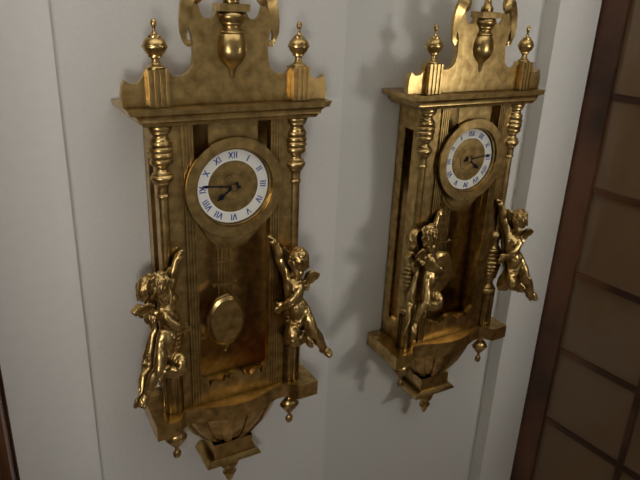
7:46
